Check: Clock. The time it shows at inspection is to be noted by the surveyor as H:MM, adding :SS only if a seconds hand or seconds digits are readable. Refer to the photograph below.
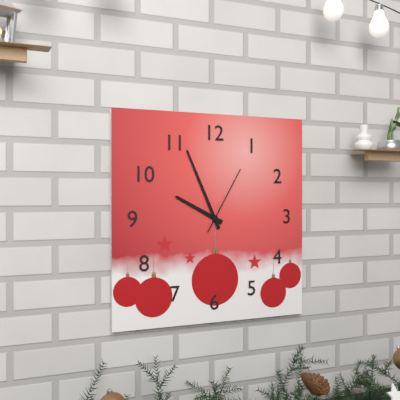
9:56:05
